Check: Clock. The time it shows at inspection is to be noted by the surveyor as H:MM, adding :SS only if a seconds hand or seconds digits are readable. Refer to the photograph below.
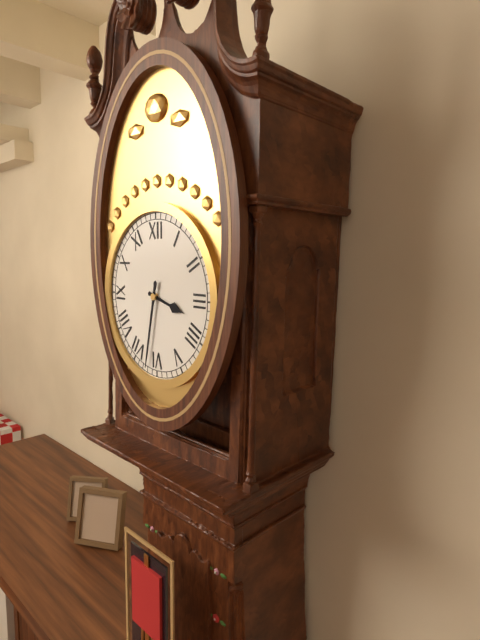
3:32
